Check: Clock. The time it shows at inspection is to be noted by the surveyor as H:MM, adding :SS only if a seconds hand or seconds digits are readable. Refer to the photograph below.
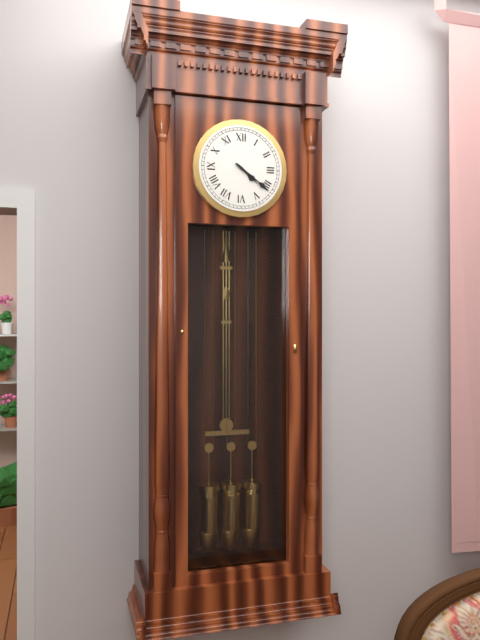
4:21
